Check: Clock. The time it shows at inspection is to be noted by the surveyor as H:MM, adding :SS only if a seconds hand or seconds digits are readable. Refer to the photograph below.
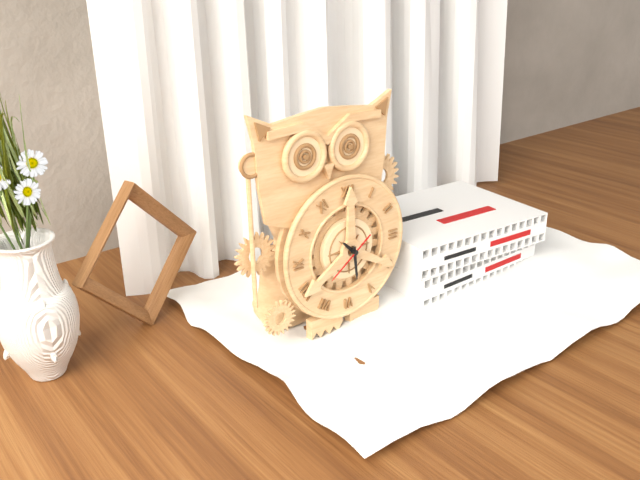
10:29
